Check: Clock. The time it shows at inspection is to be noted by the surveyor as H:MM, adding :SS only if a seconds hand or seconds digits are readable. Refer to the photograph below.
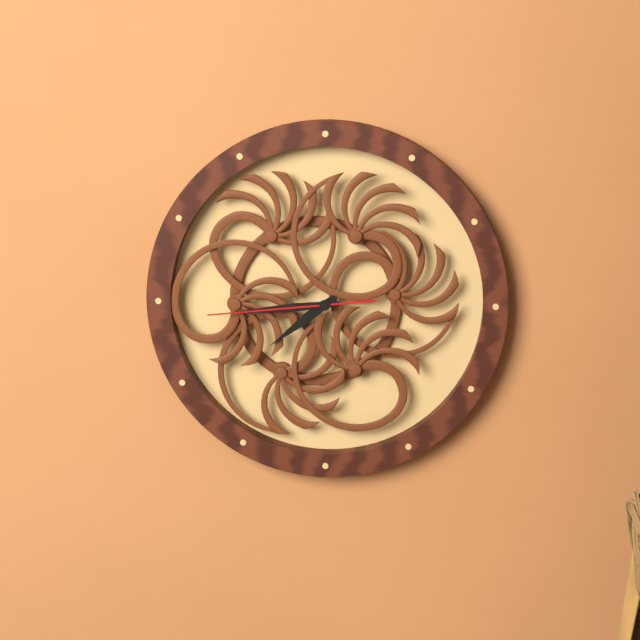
7:44:44
